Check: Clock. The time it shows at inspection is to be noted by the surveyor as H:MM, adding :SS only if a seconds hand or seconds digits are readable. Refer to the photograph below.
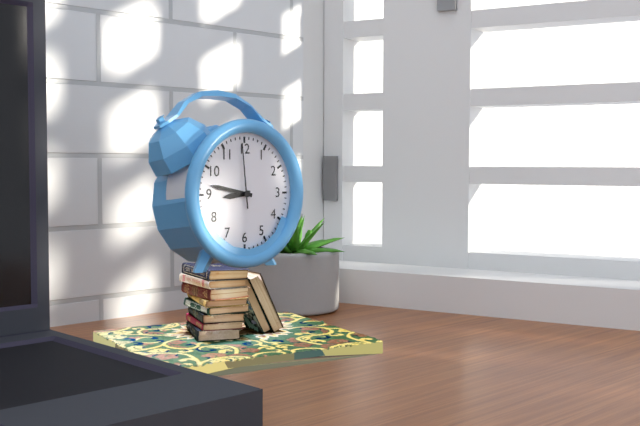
8:47:59
